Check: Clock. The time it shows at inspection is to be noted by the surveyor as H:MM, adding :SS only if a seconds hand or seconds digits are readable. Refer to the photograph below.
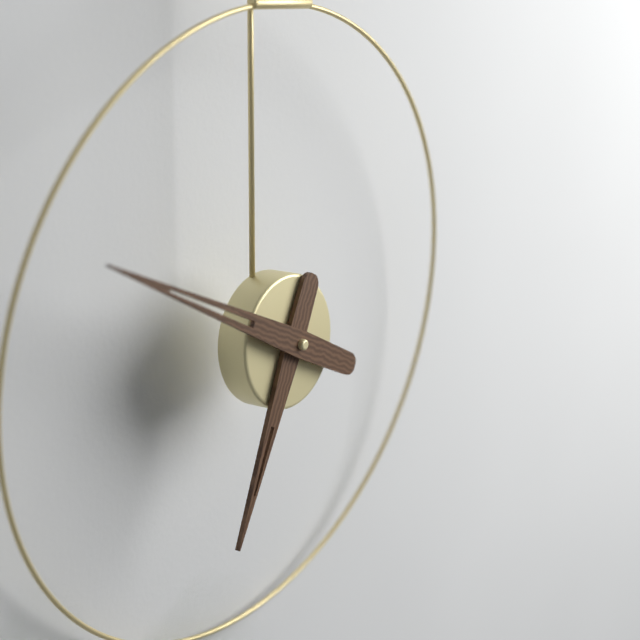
6:49
